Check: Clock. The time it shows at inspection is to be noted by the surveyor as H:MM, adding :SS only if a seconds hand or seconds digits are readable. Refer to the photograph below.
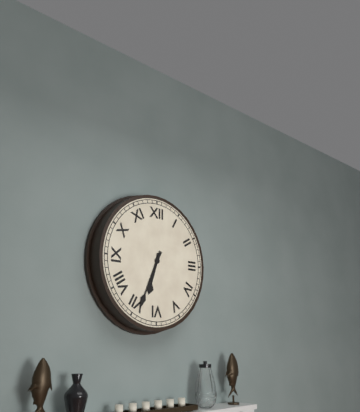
6:34
